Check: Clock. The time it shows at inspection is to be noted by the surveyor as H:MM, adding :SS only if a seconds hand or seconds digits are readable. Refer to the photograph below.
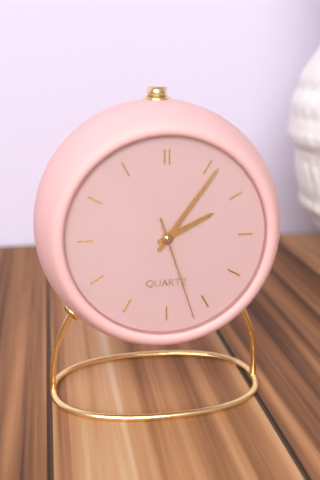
2:06:27
